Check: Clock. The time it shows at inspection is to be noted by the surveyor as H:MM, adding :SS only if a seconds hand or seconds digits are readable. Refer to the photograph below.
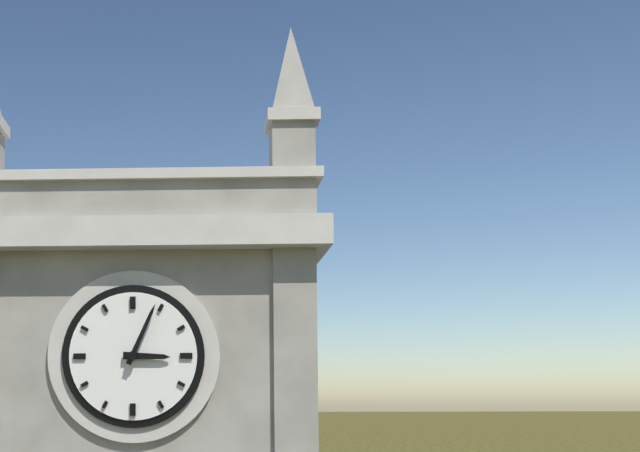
3:04
